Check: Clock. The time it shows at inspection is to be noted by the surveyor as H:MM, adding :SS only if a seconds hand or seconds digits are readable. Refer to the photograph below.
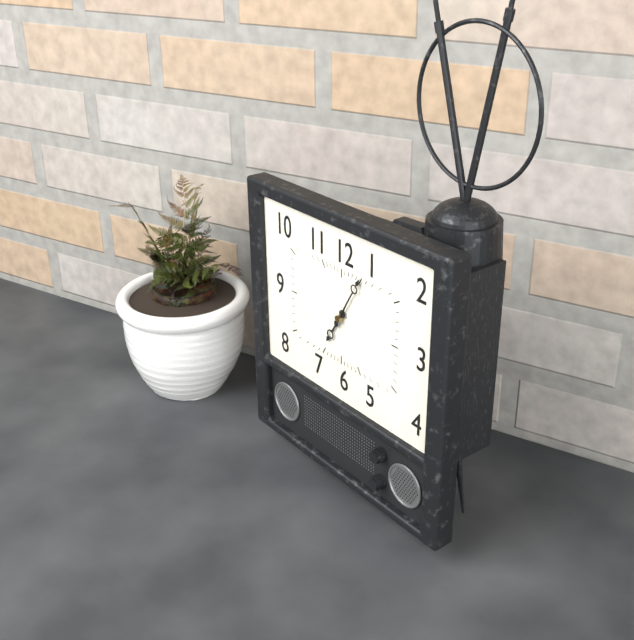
7:05
